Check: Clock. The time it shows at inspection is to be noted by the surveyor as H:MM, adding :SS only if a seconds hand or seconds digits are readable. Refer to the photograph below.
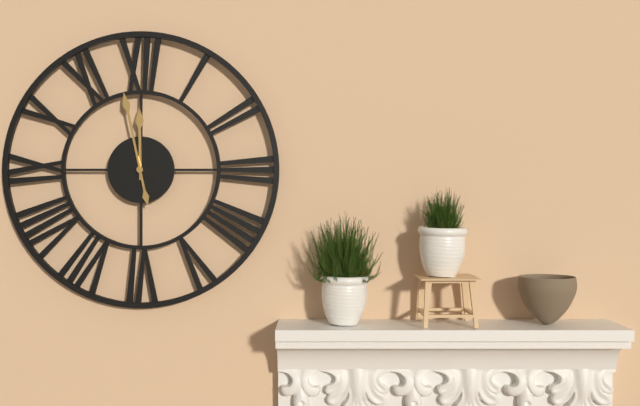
11:58
